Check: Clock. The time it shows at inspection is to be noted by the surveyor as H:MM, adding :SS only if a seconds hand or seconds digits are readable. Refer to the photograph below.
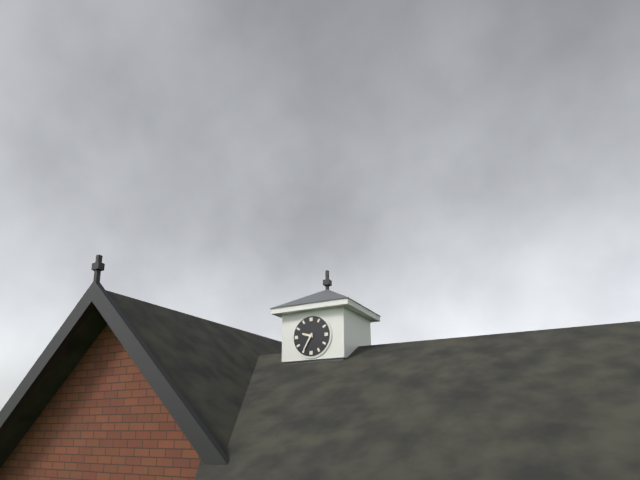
9:35
